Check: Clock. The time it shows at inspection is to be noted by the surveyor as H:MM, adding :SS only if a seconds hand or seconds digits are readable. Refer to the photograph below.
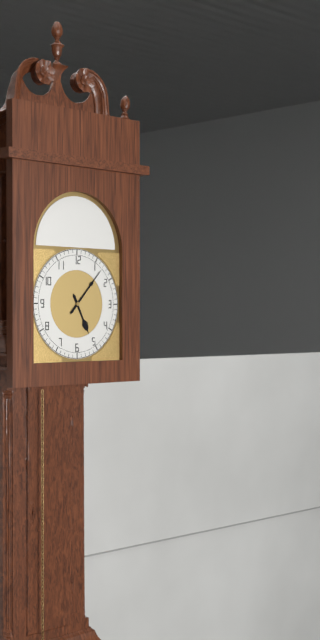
5:07
